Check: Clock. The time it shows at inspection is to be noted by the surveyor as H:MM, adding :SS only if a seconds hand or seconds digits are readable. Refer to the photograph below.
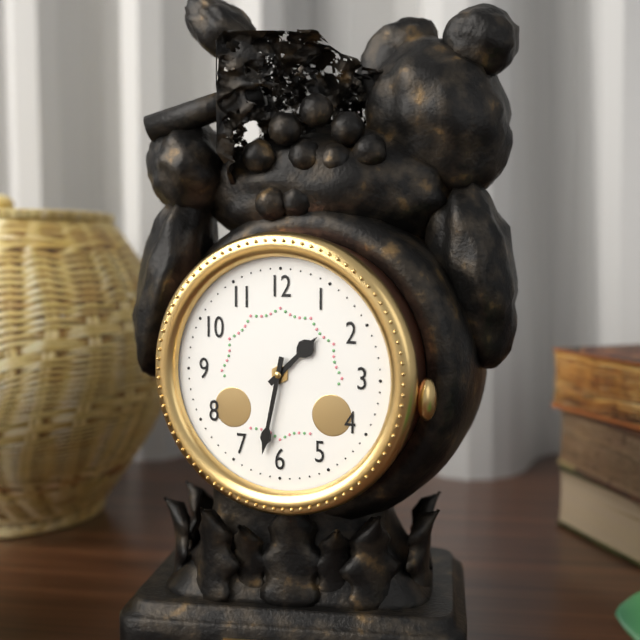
1:32
